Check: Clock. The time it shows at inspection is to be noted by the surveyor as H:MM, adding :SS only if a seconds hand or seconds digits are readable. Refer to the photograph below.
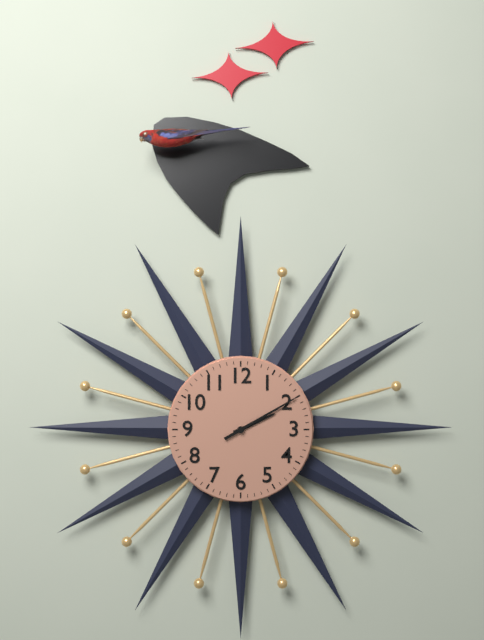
2:10
